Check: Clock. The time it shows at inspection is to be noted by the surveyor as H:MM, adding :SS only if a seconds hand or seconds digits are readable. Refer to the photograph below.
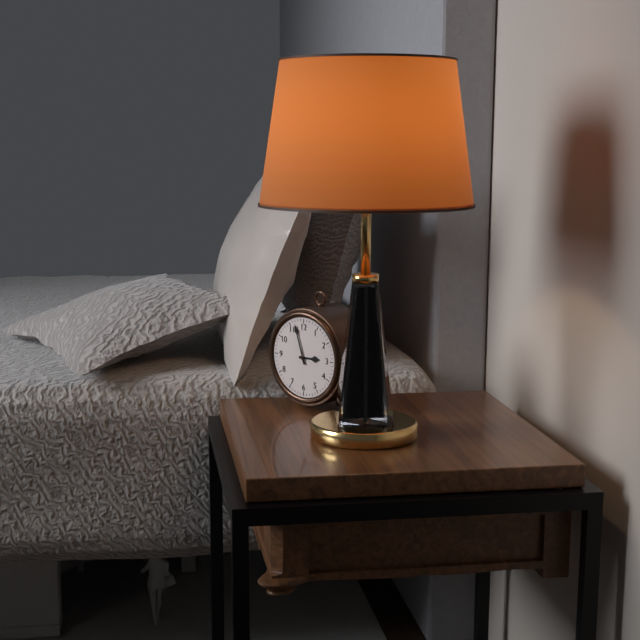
2:57
